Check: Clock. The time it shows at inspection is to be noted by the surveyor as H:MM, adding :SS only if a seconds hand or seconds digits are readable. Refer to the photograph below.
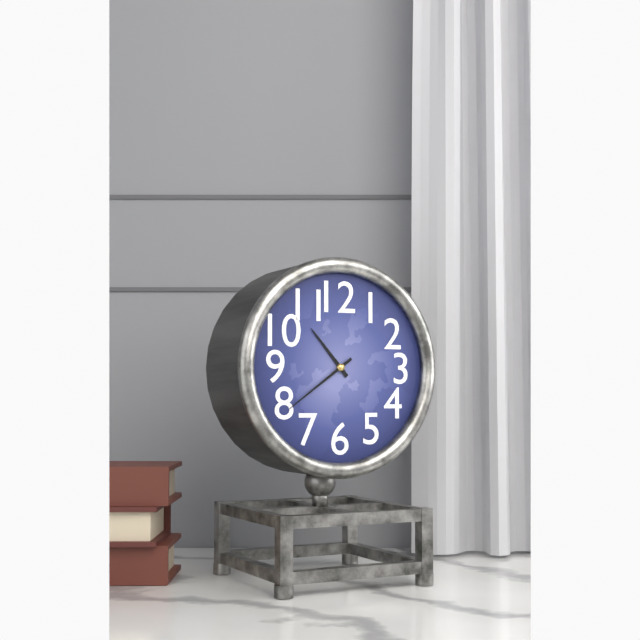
10:39
